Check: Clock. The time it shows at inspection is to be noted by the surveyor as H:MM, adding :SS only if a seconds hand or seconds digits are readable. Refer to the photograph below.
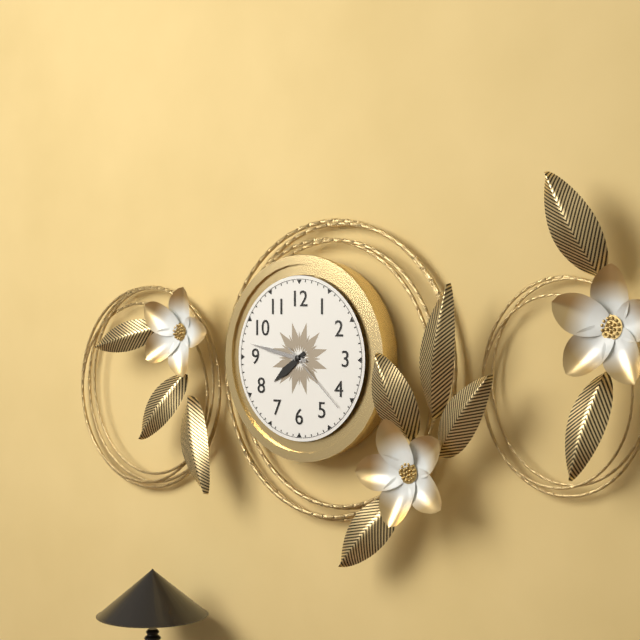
7:47:22
